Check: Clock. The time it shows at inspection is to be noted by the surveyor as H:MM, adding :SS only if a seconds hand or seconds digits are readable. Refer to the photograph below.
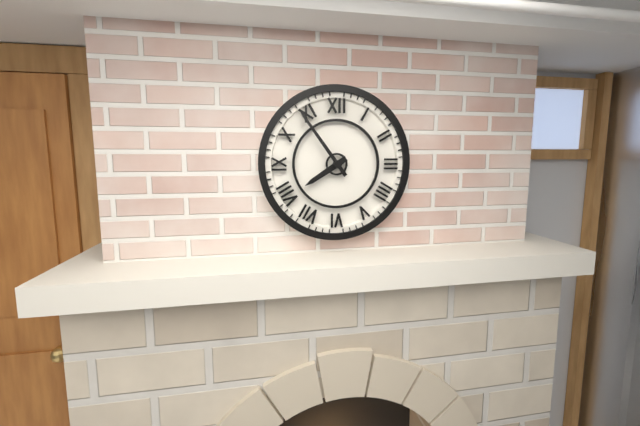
7:54
